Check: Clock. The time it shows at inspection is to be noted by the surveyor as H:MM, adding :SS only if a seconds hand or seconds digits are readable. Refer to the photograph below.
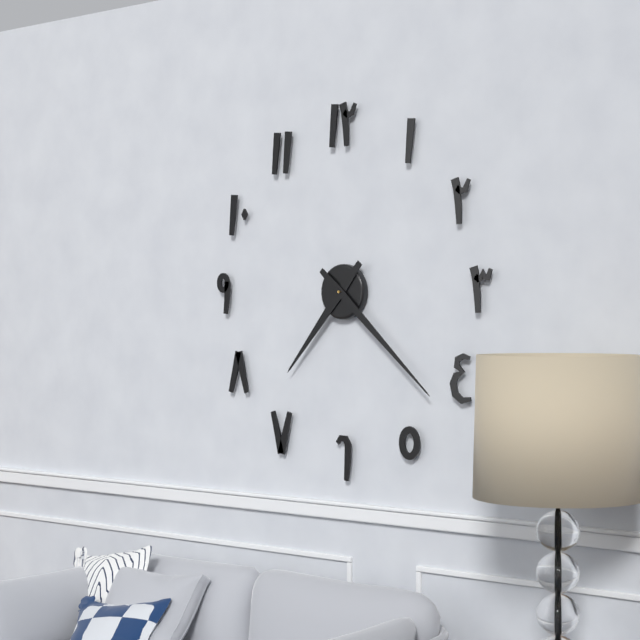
7:22
